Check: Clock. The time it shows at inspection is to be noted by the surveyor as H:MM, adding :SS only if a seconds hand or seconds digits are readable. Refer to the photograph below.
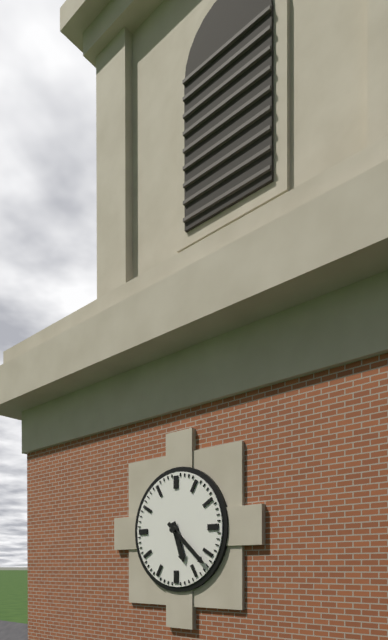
5:22
